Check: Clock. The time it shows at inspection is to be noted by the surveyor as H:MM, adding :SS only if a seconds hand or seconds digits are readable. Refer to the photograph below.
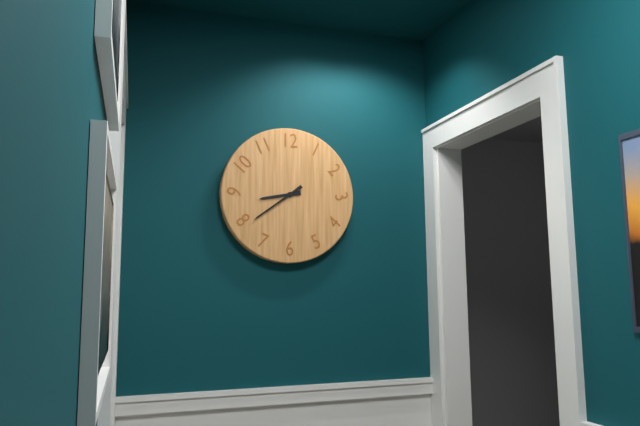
8:39
